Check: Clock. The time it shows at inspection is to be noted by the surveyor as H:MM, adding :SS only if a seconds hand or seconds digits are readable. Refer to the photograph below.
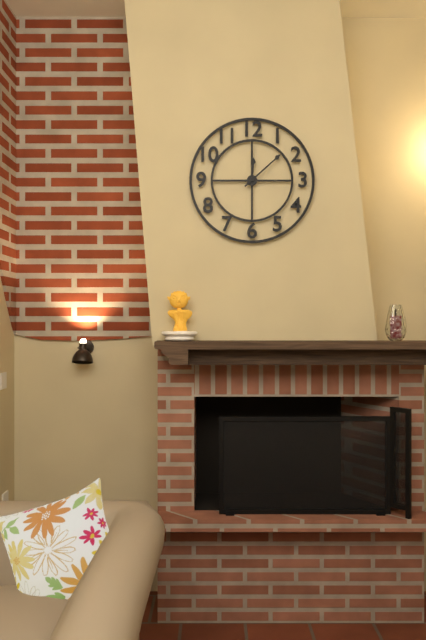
12:08
